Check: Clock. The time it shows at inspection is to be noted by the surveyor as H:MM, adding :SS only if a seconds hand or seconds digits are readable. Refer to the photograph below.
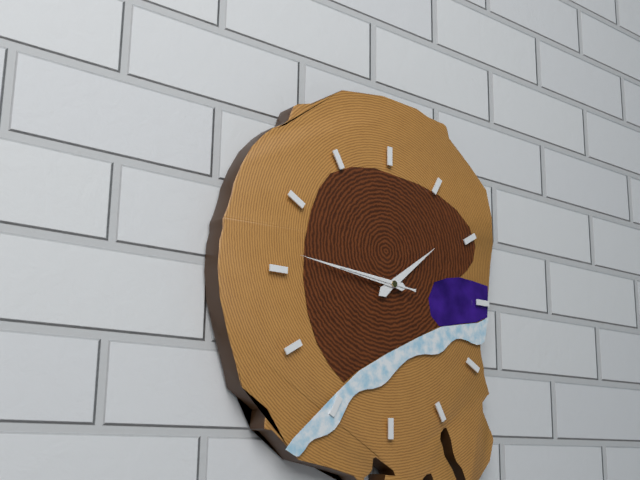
1:46:46
